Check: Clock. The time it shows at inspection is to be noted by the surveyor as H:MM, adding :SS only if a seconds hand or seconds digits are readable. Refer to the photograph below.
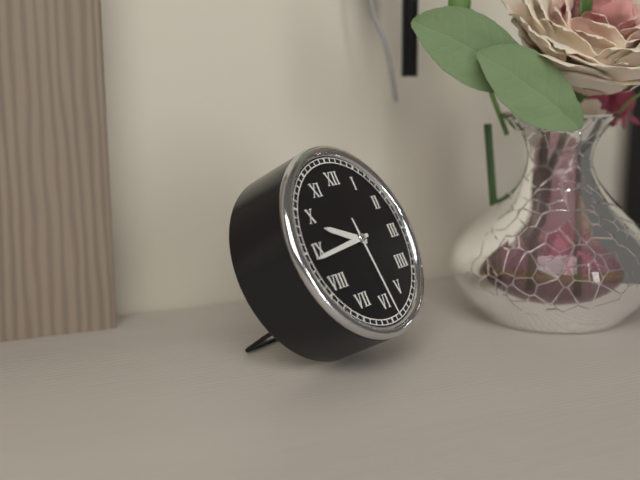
9:44:29
